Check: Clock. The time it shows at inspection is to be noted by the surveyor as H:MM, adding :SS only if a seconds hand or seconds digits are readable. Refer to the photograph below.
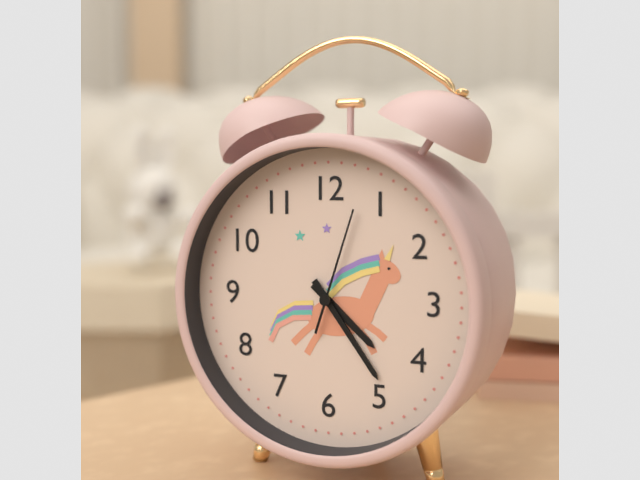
4:24:03
